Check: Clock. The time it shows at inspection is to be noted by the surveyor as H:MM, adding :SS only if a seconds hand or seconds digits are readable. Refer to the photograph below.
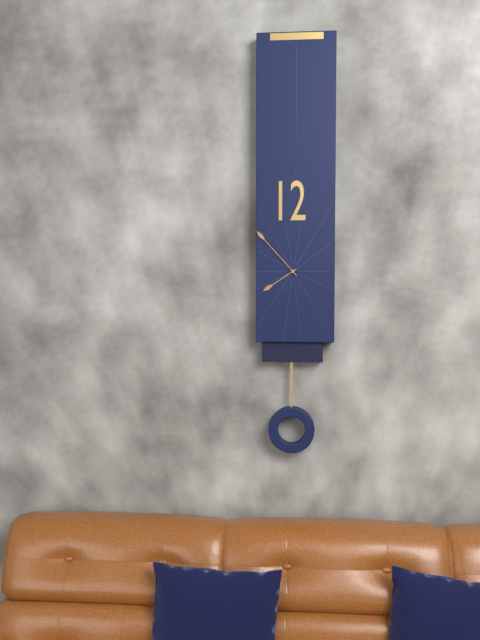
7:53
